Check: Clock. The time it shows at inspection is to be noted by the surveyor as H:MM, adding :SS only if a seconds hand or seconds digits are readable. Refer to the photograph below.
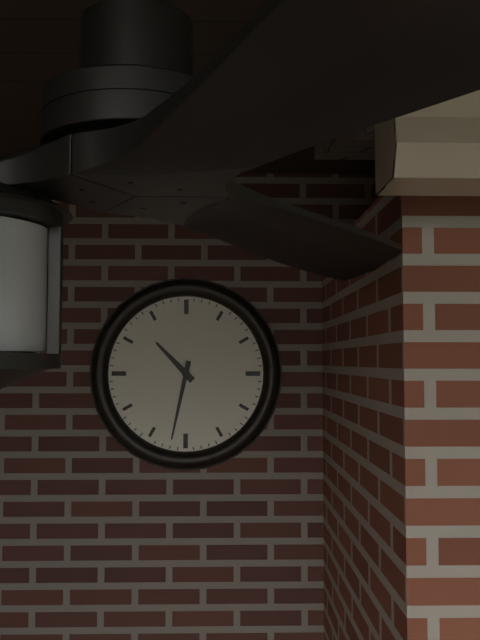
10:32
